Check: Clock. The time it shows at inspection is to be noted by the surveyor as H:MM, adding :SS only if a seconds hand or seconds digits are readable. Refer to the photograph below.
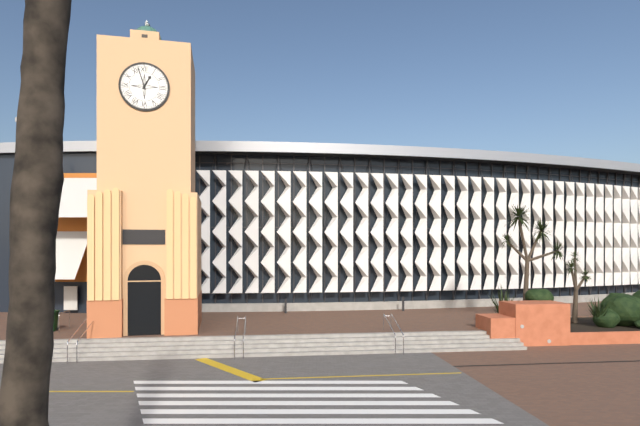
12:57
